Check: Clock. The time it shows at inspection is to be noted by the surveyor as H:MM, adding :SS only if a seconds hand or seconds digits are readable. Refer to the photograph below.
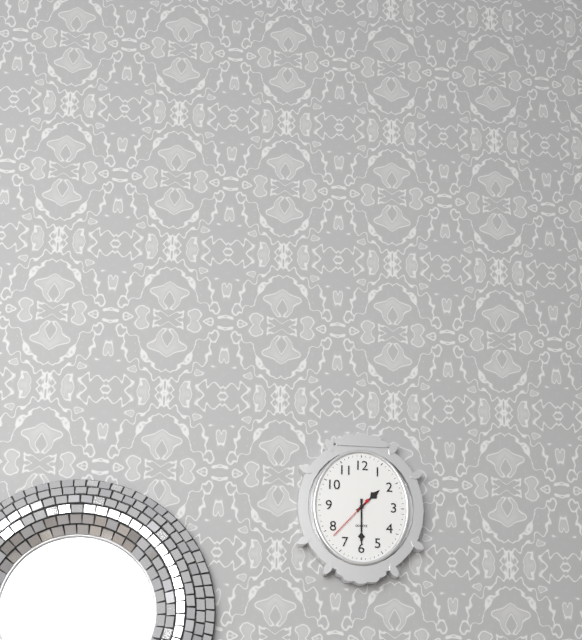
1:30:37
